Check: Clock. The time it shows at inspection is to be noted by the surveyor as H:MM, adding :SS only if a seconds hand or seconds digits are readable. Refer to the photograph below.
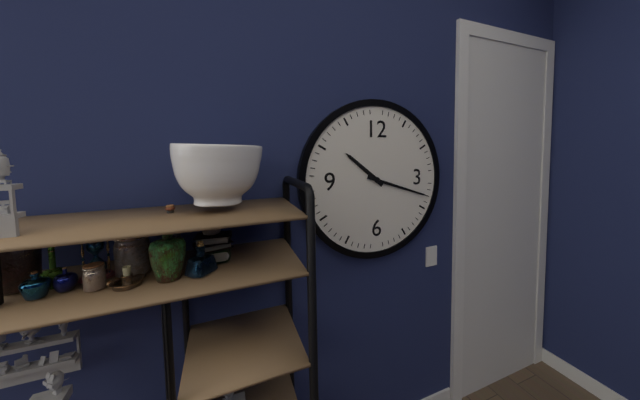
10:18
